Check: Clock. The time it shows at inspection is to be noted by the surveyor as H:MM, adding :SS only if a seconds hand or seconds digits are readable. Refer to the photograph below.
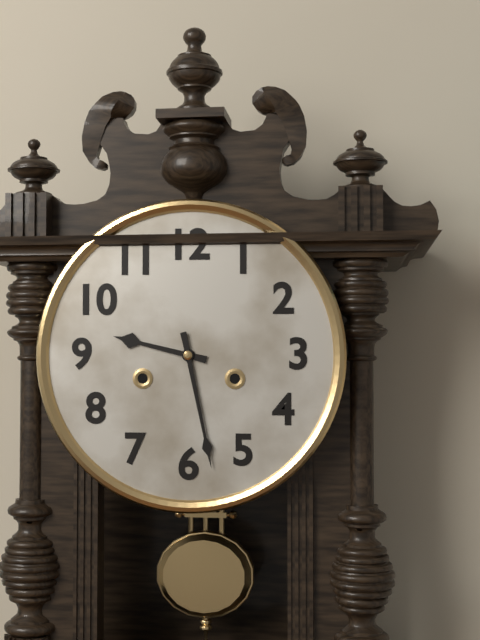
9:28
